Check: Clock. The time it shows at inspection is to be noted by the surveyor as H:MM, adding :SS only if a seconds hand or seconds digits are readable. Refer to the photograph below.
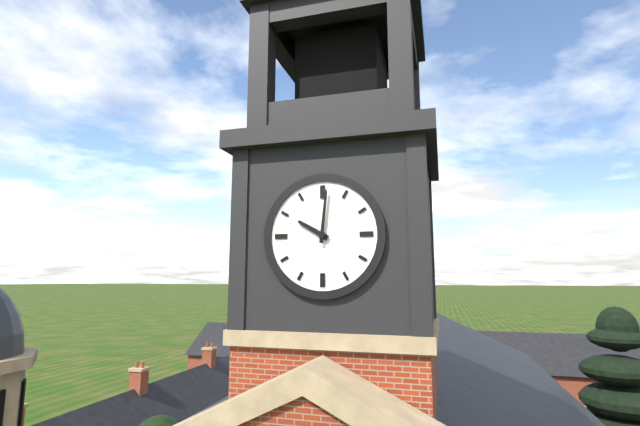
10:01
